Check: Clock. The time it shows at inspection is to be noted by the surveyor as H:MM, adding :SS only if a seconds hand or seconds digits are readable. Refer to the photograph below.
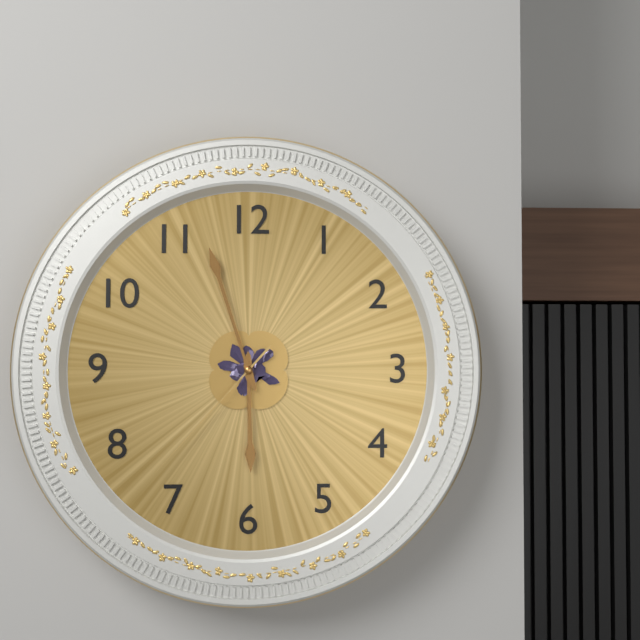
5:57:37
